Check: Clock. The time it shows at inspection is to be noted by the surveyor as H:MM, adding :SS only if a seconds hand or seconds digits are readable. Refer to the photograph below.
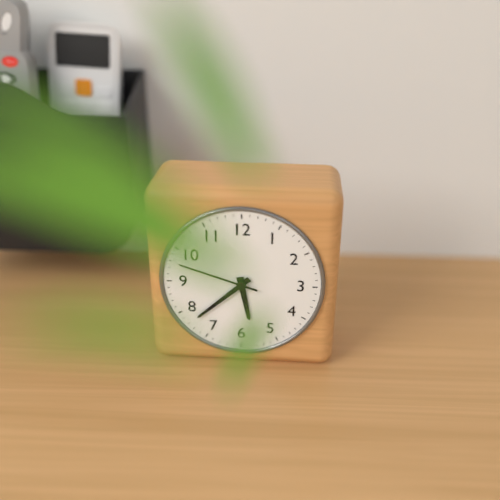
5:38:48
